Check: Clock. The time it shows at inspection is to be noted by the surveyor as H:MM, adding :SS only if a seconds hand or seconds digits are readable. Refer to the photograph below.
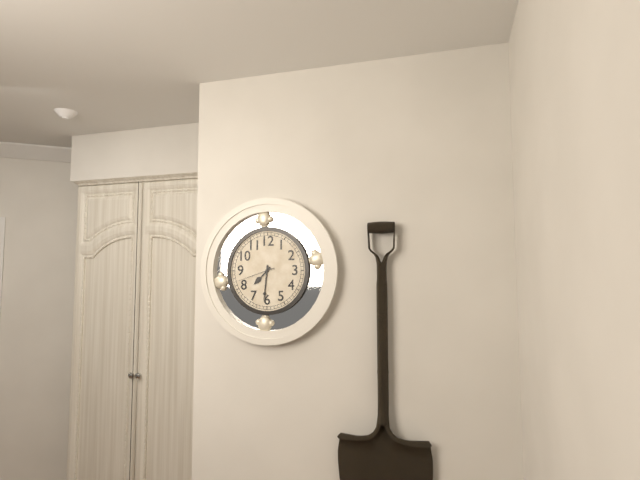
7:31
